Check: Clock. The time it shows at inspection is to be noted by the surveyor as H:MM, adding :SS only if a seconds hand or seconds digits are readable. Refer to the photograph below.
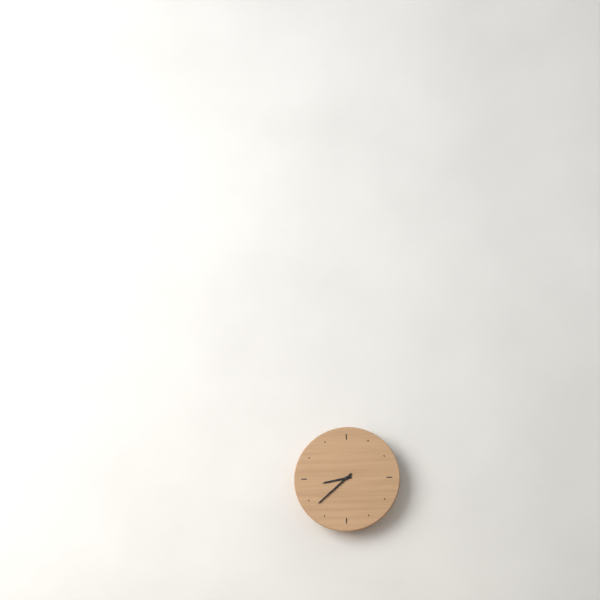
8:38
